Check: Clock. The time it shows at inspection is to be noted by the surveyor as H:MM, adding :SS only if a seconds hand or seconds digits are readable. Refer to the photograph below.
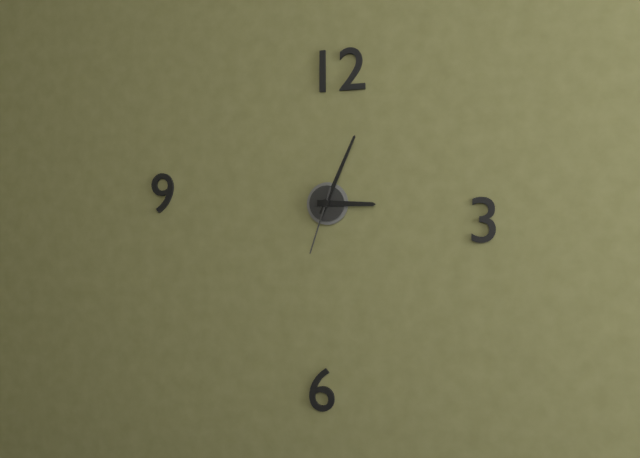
3:04:33
